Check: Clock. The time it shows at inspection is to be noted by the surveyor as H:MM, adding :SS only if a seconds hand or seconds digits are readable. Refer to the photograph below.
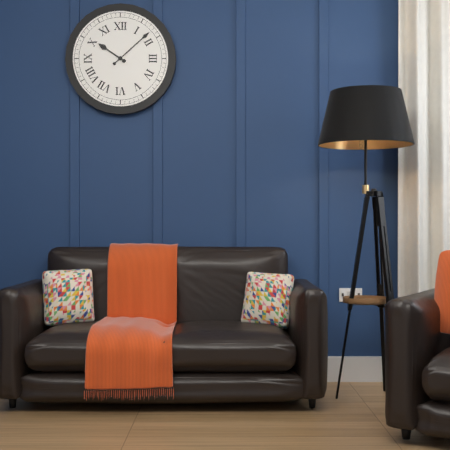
10:08
